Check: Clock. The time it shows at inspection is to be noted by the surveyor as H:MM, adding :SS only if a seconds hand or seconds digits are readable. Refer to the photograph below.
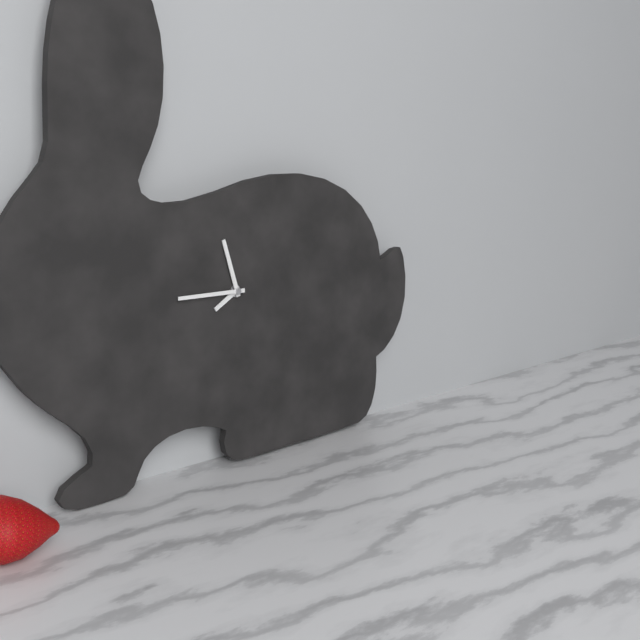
7:57:45
